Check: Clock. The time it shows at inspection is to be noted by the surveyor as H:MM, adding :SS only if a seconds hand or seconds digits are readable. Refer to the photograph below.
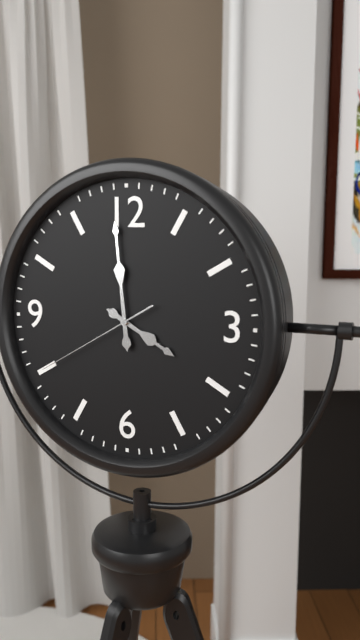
3:59:40
